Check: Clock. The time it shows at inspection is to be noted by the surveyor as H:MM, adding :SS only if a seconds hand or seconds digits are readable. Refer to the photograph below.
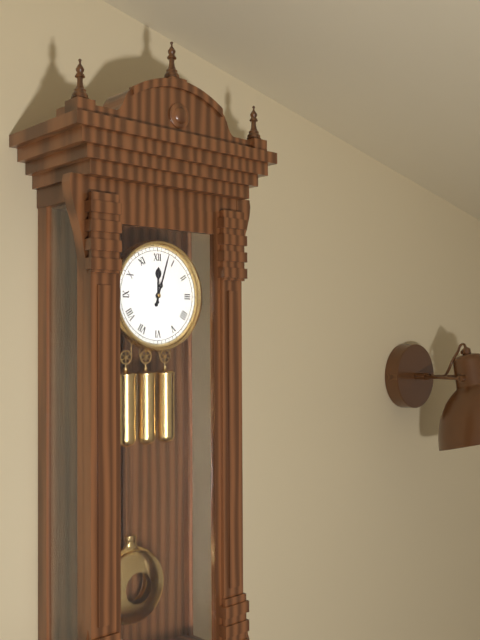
12:03
